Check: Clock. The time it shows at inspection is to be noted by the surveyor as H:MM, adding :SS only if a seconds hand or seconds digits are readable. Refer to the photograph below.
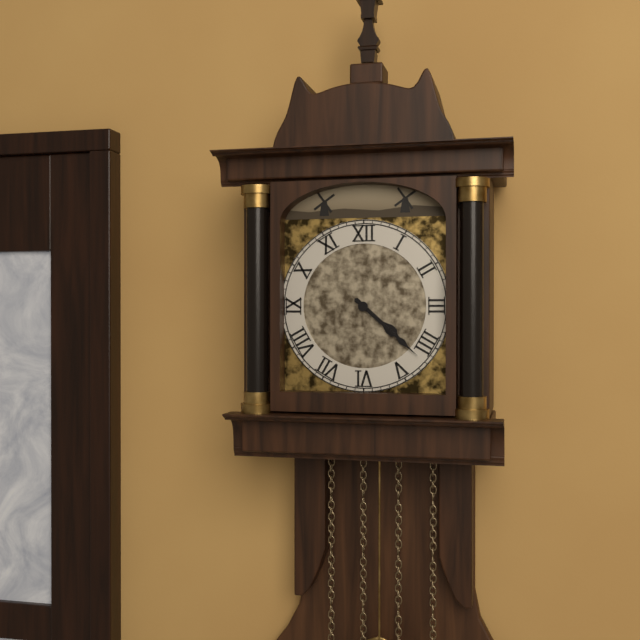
4:22
